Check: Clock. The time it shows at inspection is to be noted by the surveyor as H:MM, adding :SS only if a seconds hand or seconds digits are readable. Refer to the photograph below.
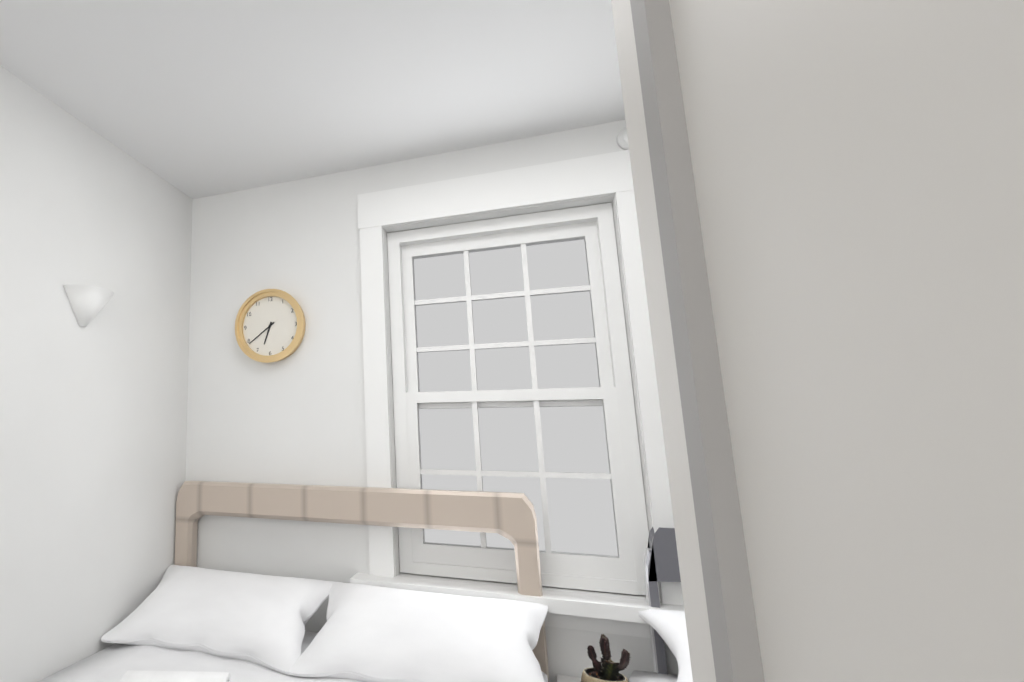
6:39
